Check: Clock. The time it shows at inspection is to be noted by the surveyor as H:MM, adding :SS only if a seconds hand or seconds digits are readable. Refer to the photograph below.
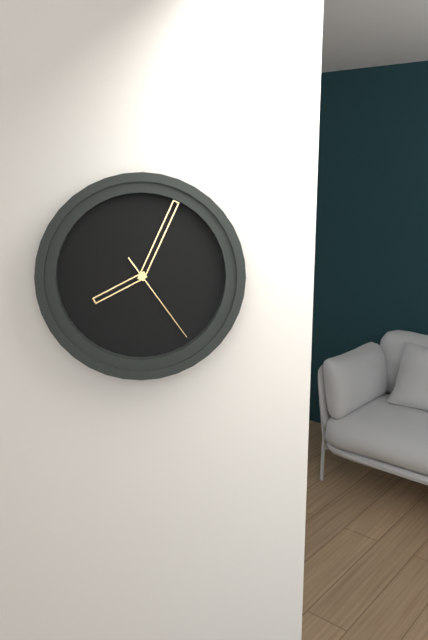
8:04:24
